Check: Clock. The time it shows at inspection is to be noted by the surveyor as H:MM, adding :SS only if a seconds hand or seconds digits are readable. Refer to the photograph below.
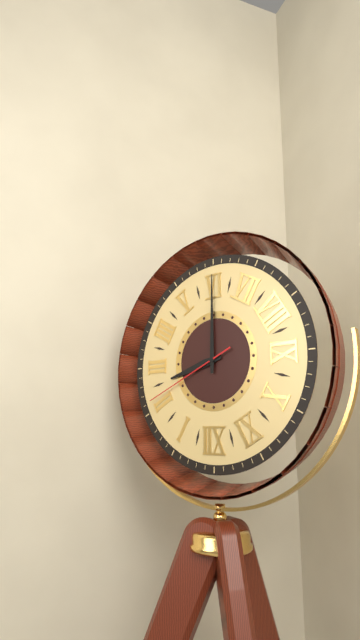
2:30:11
